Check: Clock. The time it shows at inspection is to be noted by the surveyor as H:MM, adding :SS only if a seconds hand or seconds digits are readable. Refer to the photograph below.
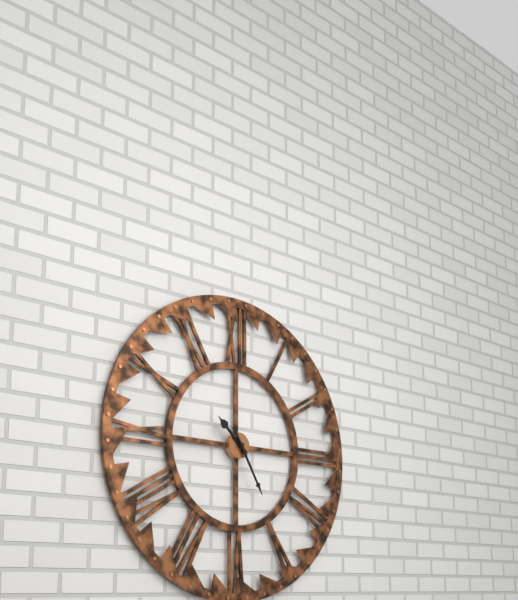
10:25
